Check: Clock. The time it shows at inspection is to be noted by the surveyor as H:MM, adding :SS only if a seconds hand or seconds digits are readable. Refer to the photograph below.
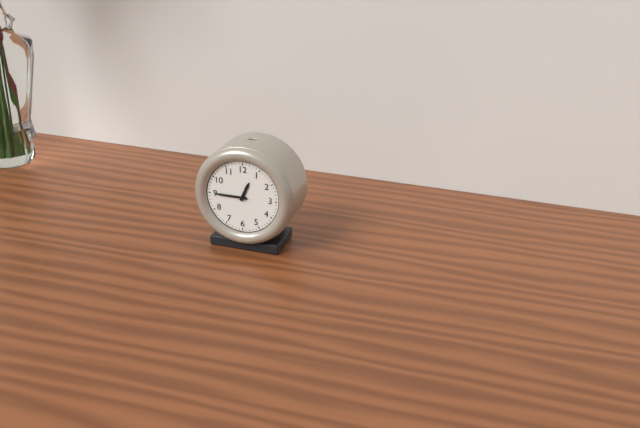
12:45
